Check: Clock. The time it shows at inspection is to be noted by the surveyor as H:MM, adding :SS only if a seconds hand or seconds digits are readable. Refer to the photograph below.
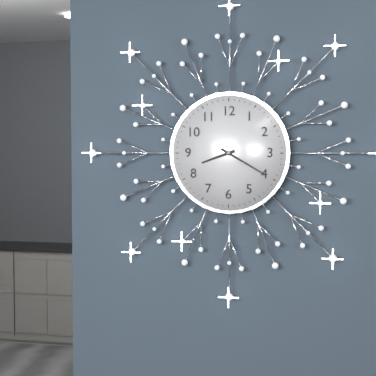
8:20
